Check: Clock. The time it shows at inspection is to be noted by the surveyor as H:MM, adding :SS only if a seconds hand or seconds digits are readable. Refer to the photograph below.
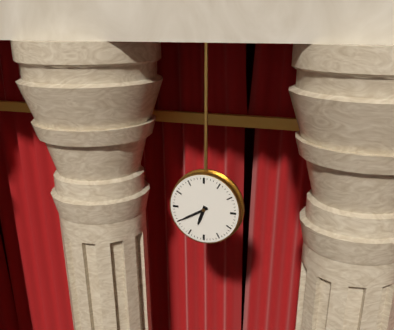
6:40
